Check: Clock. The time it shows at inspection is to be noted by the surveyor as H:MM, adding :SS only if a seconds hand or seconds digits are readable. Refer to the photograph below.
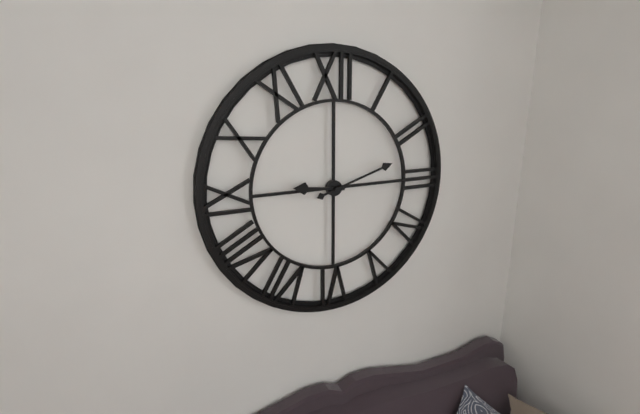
9:12
